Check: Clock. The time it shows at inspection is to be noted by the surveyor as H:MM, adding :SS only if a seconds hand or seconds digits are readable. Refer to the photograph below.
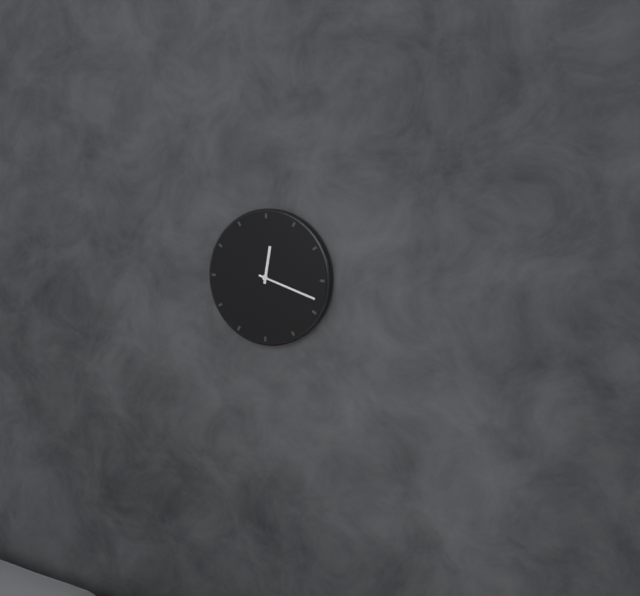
12:18
